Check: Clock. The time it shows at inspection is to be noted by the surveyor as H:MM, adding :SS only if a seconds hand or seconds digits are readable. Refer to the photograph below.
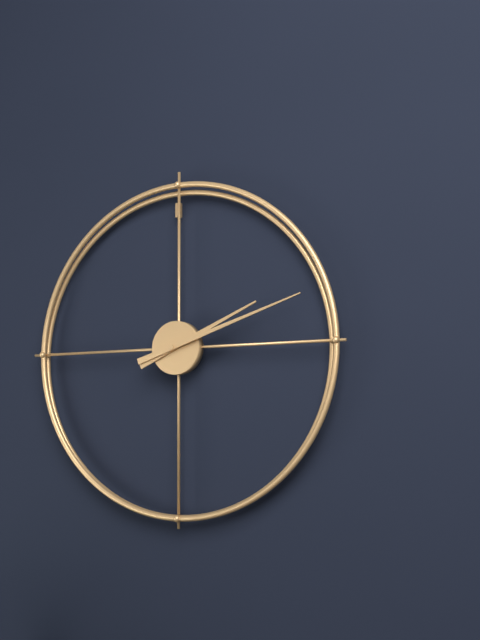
2:12
